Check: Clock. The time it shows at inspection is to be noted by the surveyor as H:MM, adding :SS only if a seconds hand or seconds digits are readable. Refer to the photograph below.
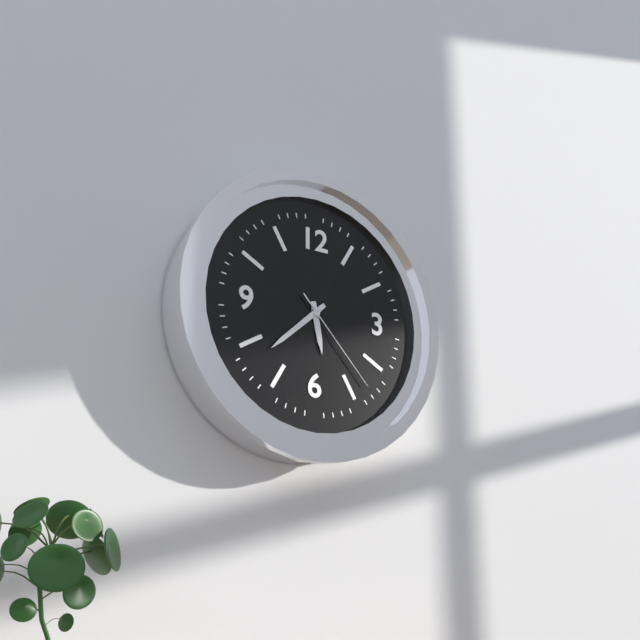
5:38:23
